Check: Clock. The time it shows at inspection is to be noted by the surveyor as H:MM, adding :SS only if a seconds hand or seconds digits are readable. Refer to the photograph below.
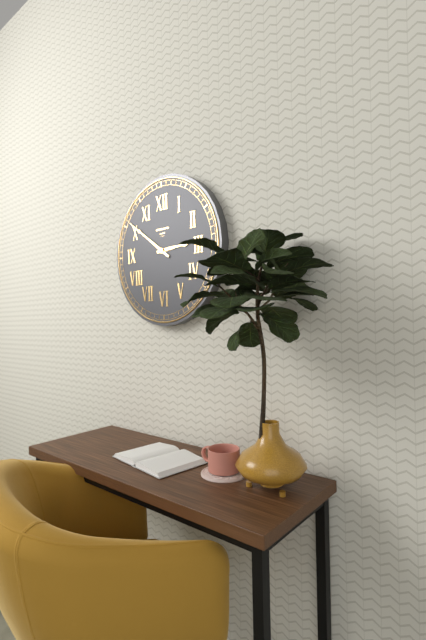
2:51
